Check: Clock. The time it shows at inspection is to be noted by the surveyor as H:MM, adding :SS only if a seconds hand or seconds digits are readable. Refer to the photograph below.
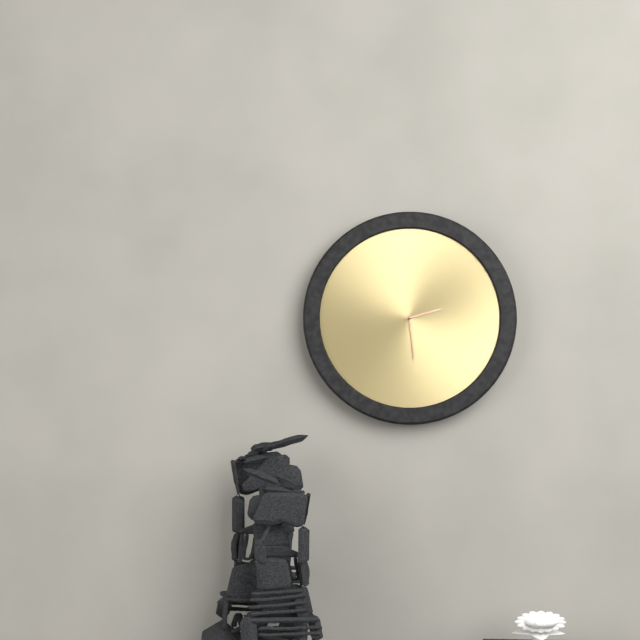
2:29
